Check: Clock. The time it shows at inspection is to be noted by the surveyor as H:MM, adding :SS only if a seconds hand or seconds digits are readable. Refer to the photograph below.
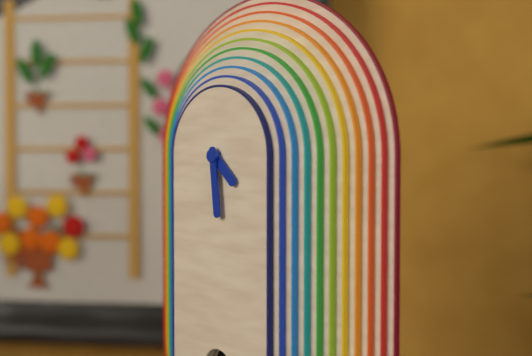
4:29
